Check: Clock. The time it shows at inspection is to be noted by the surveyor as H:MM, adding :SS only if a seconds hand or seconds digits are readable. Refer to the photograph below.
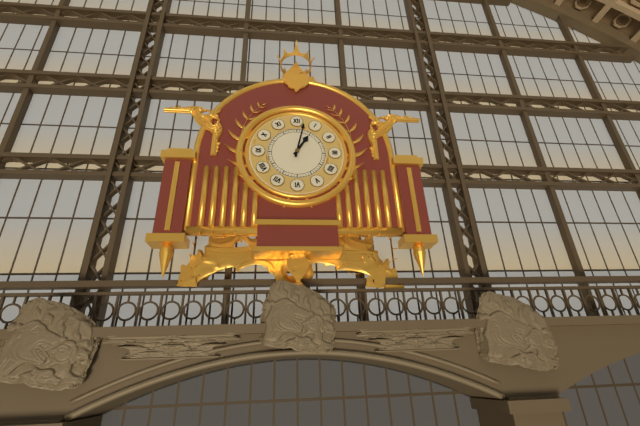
1:02
